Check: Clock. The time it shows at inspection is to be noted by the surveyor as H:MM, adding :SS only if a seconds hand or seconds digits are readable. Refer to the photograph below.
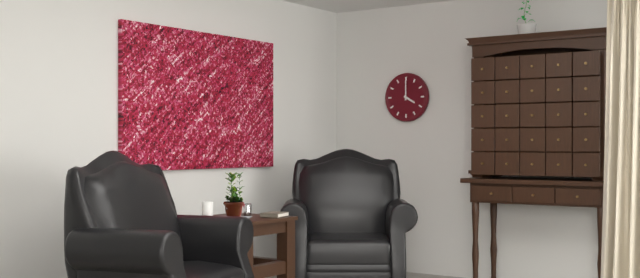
4:00
